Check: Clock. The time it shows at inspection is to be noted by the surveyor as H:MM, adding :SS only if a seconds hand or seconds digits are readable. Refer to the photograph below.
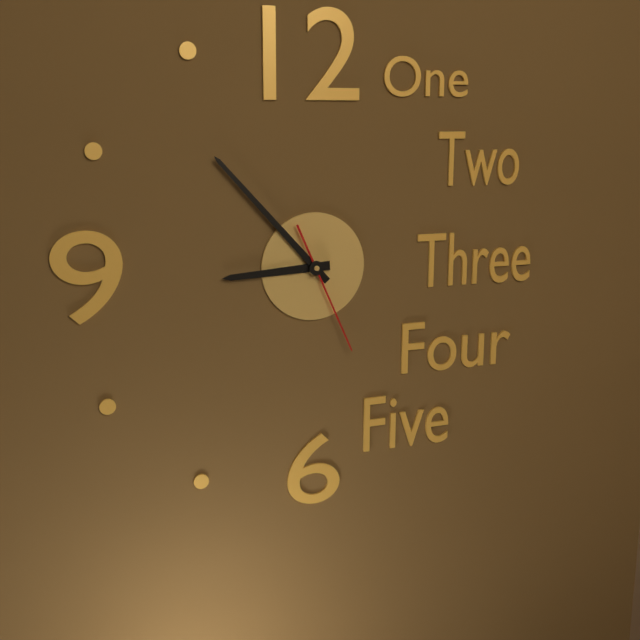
8:53:26
